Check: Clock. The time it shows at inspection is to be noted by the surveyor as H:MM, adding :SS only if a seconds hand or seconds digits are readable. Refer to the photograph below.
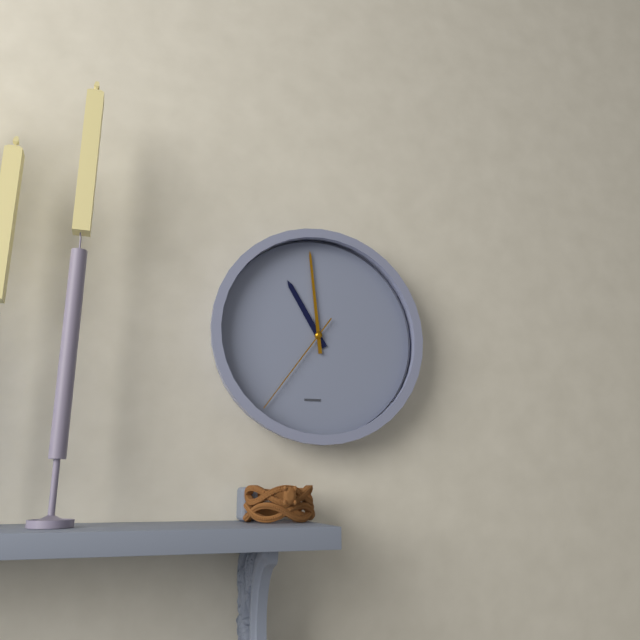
10:59:36
